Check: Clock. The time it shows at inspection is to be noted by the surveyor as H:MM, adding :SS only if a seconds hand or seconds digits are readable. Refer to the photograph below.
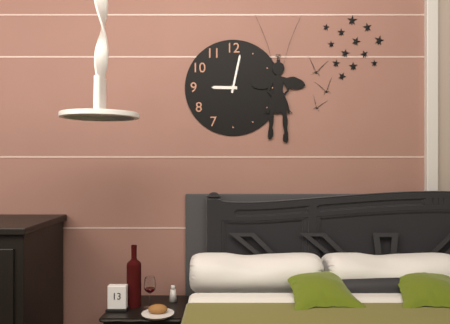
9:02
